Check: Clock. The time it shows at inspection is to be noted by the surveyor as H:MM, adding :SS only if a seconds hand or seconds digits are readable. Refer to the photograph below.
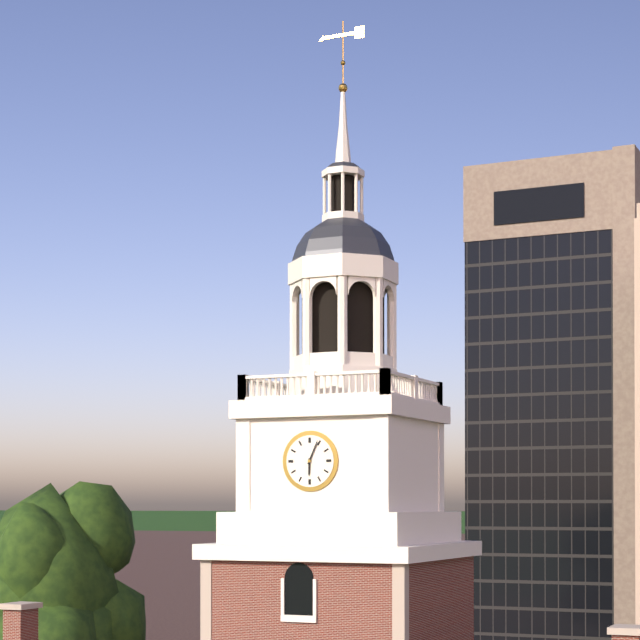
6:04
